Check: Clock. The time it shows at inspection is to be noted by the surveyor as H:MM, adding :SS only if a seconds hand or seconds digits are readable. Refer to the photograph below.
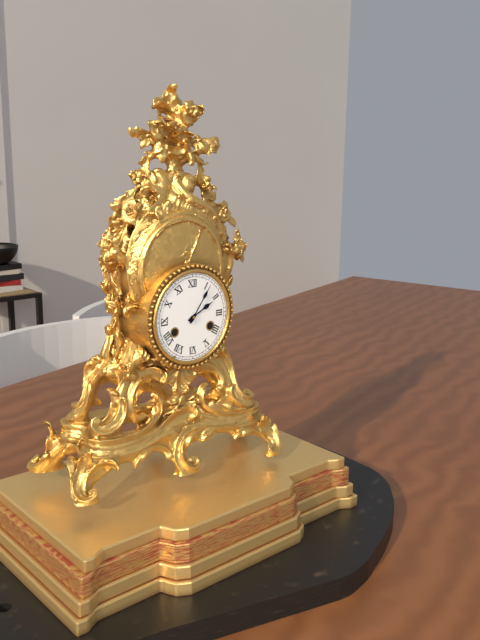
2:06
